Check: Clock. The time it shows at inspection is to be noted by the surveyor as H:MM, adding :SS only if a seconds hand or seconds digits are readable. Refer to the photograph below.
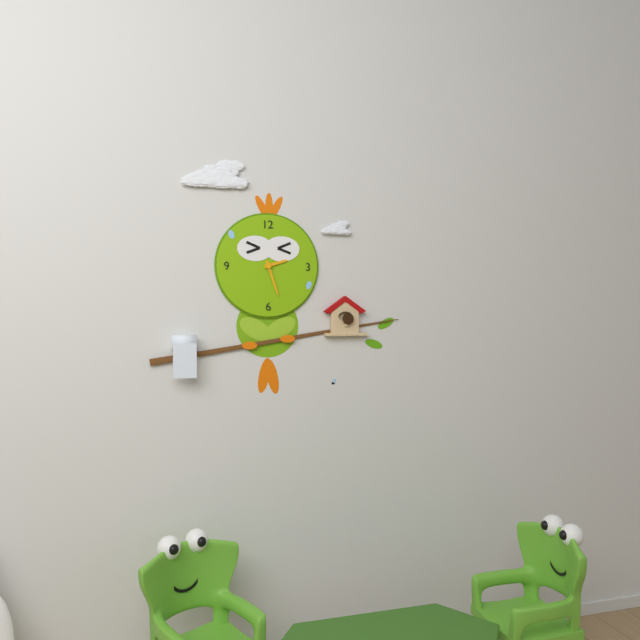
2:27
